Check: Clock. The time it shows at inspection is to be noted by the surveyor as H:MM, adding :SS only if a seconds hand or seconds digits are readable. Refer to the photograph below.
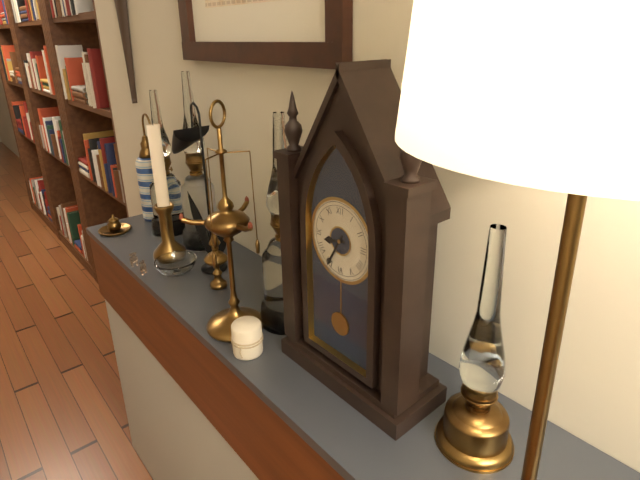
8:35
